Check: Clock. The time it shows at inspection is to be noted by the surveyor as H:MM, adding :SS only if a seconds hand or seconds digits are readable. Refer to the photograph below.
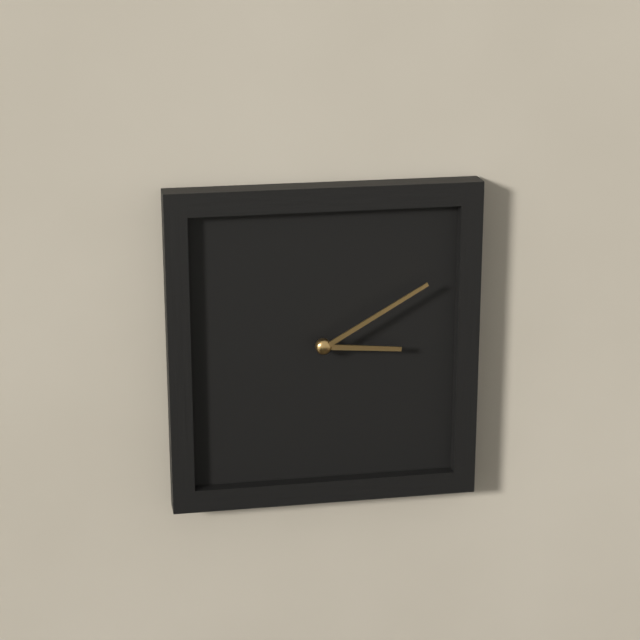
3:10
